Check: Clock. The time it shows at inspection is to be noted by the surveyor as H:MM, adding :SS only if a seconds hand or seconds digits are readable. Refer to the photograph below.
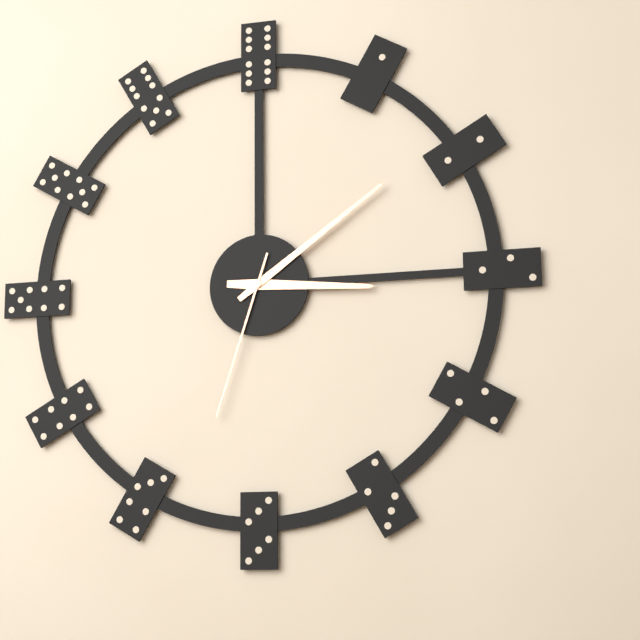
3:09:33
